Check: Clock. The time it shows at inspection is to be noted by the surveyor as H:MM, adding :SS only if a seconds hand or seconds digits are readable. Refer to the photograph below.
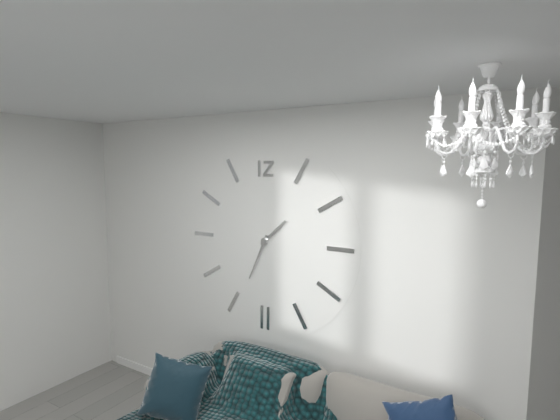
1:34
